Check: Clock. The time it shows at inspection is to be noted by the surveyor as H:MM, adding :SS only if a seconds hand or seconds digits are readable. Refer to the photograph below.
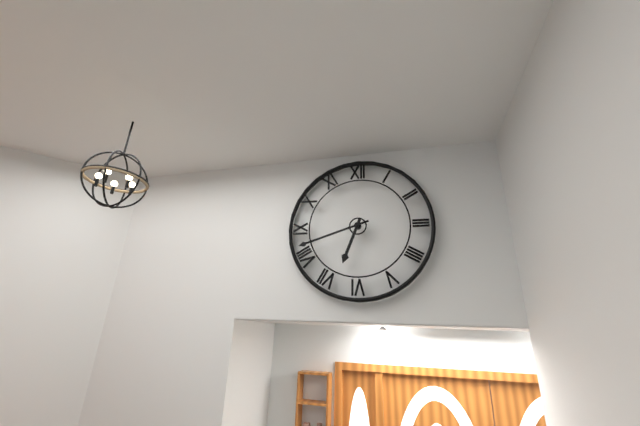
6:42
